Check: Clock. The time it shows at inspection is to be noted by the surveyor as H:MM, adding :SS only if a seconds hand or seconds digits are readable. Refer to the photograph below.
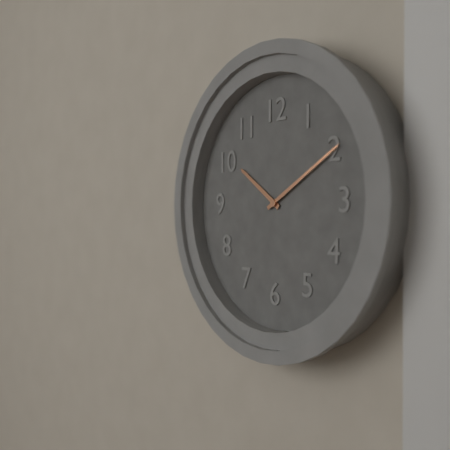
10:10
